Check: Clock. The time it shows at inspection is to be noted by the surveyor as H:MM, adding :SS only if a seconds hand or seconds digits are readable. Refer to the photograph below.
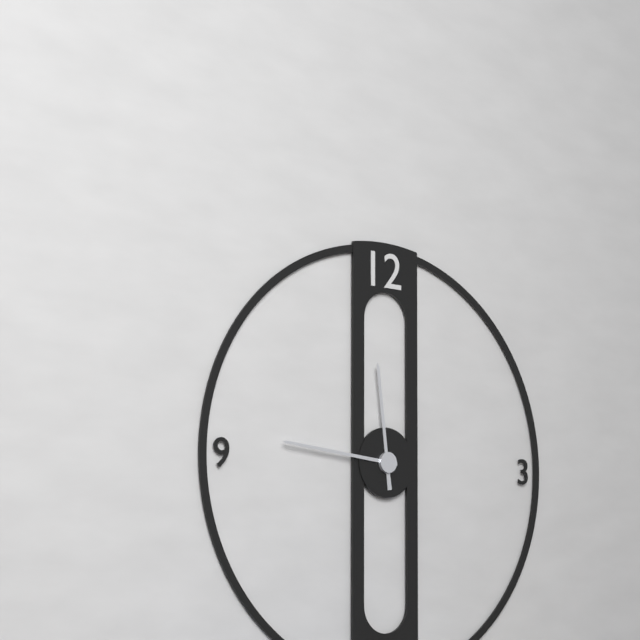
11:46
